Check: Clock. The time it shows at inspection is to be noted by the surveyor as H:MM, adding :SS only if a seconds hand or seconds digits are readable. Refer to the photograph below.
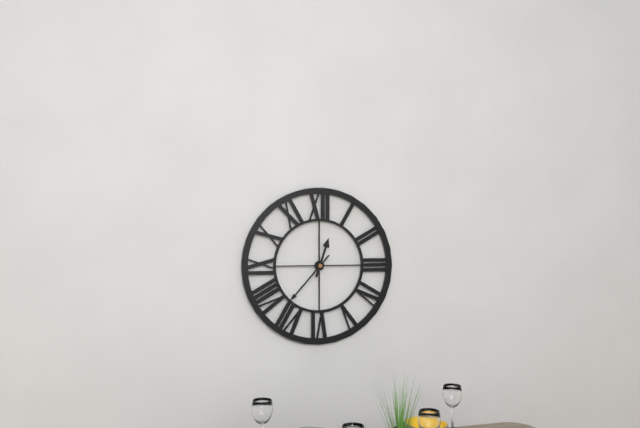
12:37
